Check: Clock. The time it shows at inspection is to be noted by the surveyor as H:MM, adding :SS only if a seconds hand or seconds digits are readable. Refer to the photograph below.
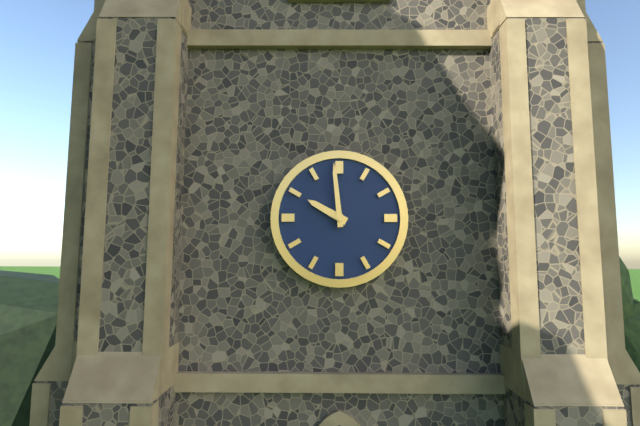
9:59
